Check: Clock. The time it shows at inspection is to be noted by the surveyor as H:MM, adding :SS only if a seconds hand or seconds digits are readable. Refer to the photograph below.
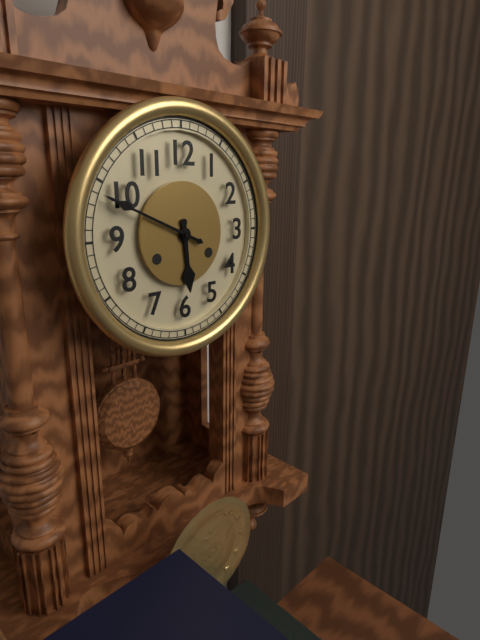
5:49
